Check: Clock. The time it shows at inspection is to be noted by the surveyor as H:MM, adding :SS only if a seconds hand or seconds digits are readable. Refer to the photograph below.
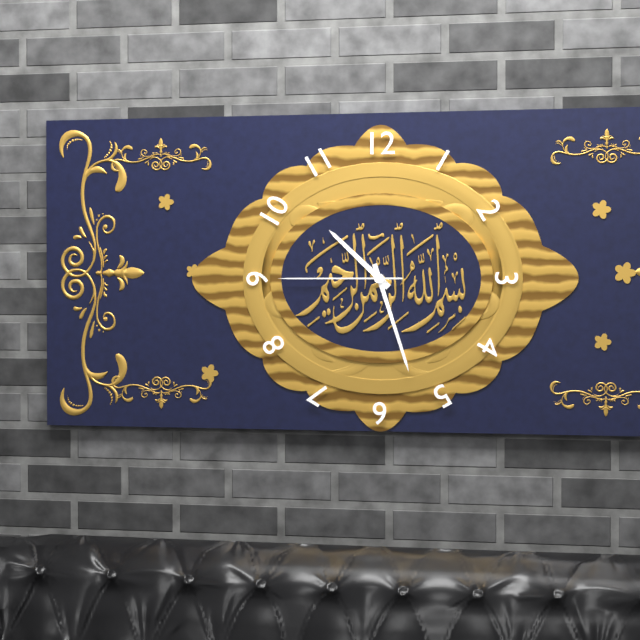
10:27:45
